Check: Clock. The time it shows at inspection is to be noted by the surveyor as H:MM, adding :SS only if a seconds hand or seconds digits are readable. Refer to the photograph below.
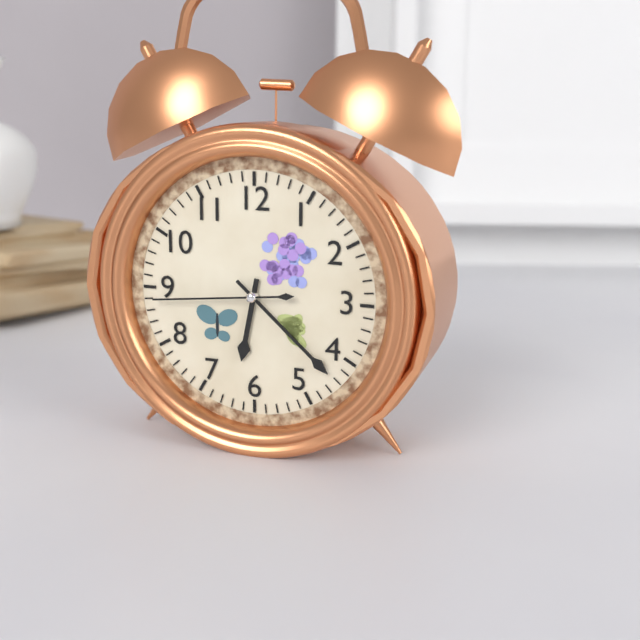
6:22:44
